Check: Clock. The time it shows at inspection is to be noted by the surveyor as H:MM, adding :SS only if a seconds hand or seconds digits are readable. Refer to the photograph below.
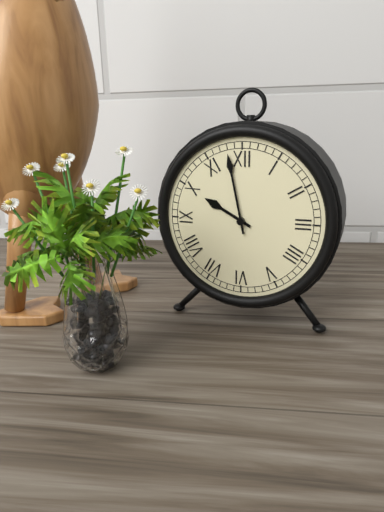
9:58
